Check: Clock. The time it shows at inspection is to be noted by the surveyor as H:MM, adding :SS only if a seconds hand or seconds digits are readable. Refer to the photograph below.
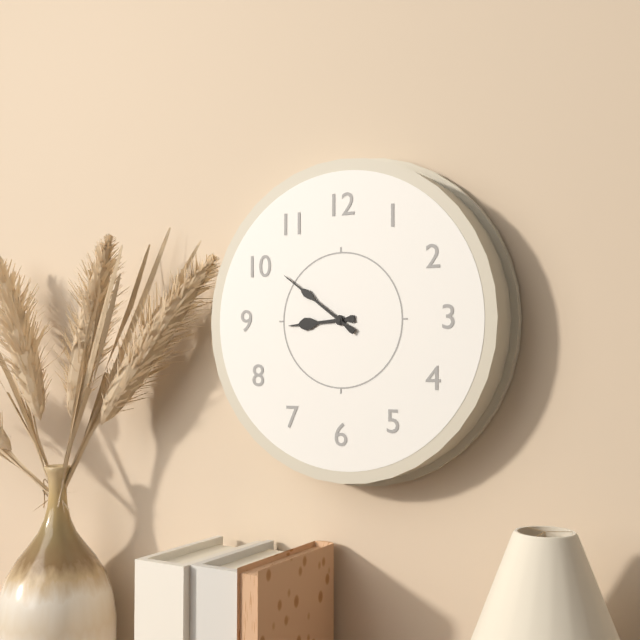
8:51
